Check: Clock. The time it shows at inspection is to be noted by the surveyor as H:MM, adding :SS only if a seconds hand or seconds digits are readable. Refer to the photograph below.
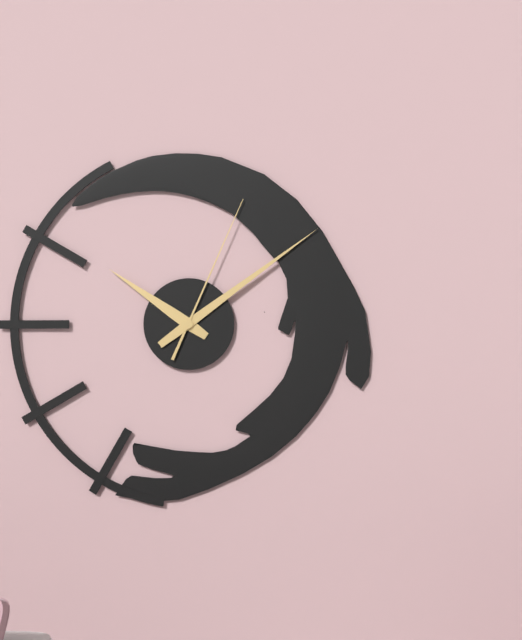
10:09:04
